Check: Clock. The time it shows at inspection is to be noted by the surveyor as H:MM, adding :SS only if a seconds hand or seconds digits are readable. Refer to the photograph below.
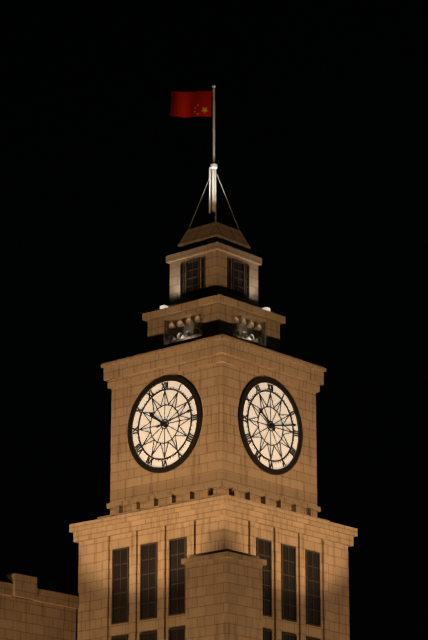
10:13
